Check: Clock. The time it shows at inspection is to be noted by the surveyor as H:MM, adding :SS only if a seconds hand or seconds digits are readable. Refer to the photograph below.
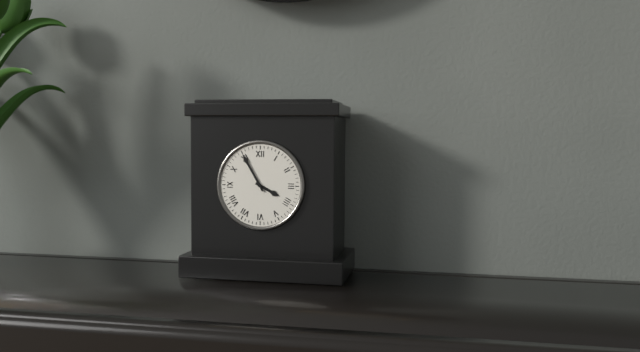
3:55
